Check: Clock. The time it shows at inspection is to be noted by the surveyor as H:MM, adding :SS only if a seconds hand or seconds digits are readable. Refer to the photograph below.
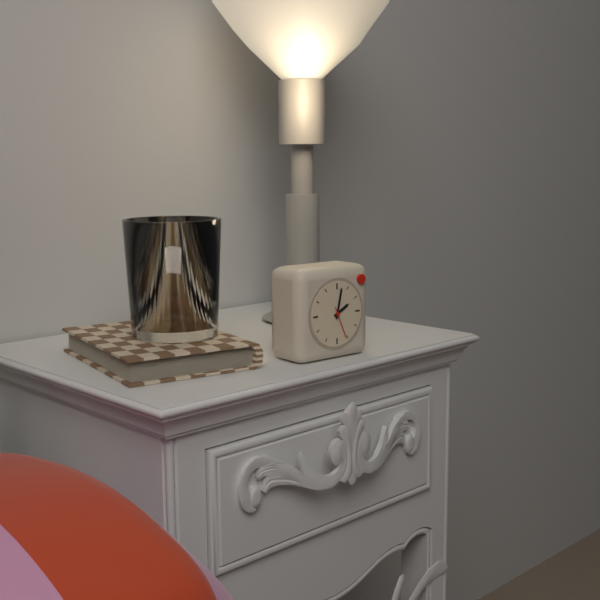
2:02
